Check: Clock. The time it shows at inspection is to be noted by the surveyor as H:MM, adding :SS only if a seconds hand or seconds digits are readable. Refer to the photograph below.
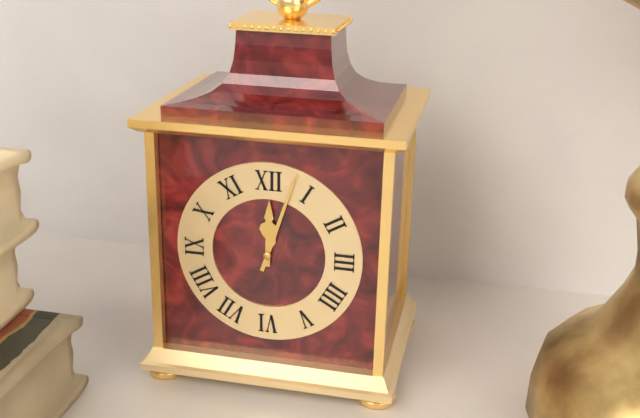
12:03
